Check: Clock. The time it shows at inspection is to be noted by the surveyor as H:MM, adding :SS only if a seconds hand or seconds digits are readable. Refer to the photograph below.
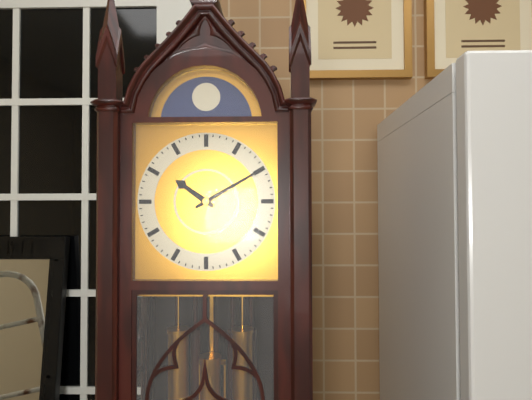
10:10
